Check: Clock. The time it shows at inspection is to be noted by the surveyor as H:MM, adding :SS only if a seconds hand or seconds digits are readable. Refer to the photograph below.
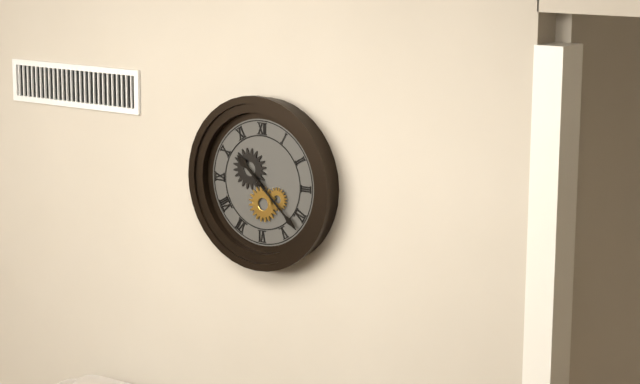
10:22
